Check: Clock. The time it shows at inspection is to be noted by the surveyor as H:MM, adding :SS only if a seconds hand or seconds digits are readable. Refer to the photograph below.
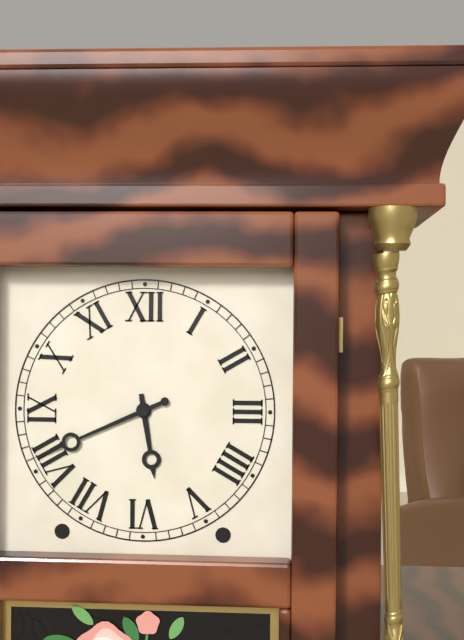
5:41
